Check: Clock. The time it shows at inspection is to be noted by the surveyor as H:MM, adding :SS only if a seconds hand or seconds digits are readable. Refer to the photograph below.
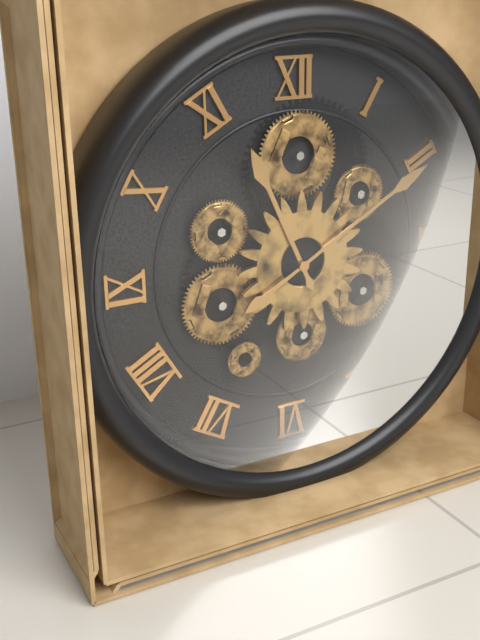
11:10
